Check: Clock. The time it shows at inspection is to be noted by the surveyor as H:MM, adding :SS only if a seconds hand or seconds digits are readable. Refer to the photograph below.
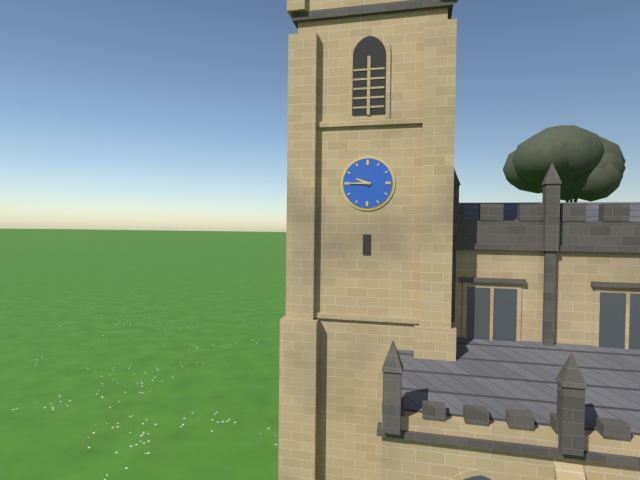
9:45
